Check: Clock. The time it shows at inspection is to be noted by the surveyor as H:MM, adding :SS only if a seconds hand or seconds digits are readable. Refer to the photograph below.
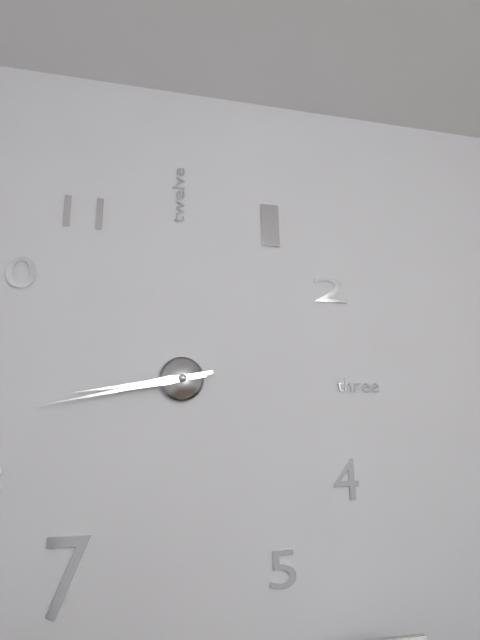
8:43
